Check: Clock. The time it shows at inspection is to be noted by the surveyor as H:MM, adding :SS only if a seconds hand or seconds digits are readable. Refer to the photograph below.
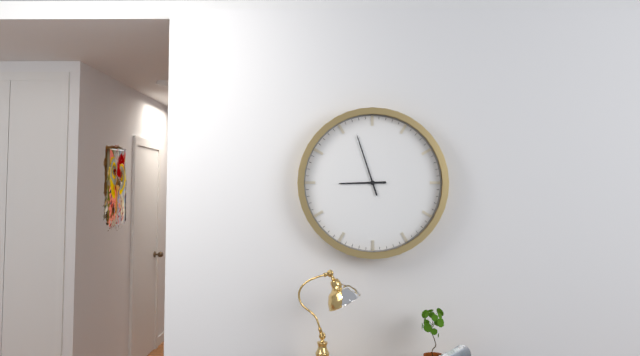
8:57
